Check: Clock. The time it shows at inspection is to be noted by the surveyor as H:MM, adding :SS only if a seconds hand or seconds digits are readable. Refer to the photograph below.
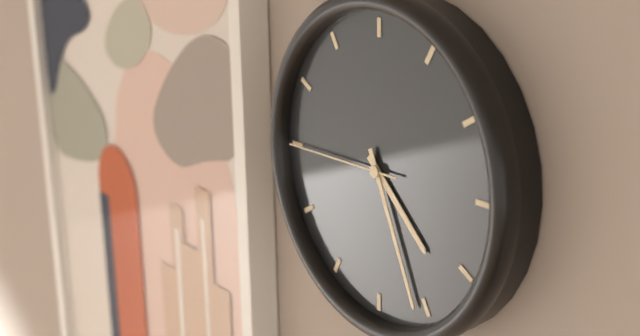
4:26:45
